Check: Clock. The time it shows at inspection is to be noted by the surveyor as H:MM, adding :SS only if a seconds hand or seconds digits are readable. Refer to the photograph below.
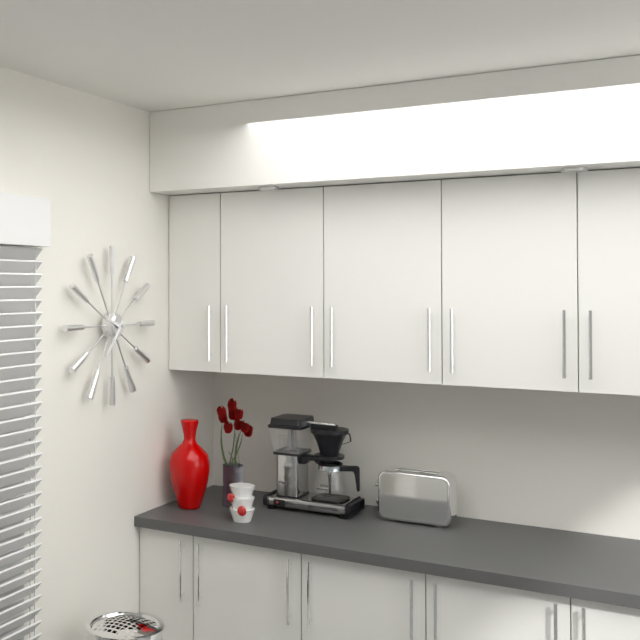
9:37
